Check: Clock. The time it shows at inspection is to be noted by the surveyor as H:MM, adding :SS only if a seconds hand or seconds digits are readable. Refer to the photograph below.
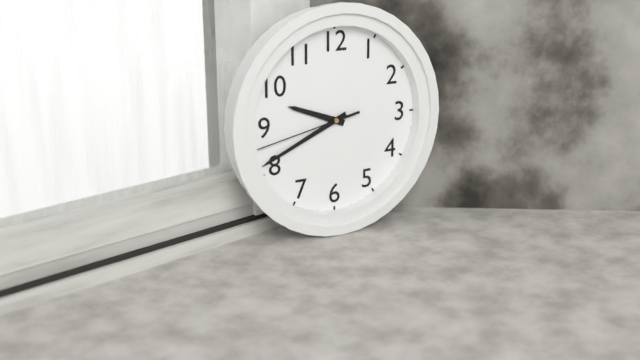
9:41:43
